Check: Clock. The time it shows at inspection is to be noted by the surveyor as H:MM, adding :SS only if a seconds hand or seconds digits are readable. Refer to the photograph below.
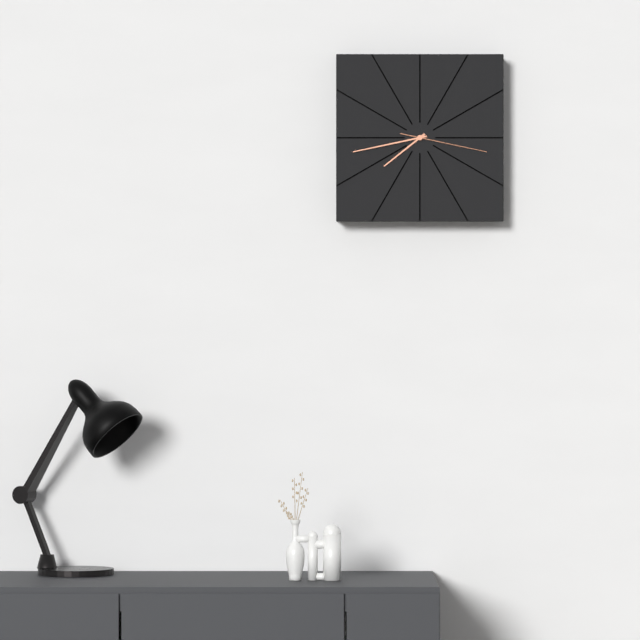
7:43:17
